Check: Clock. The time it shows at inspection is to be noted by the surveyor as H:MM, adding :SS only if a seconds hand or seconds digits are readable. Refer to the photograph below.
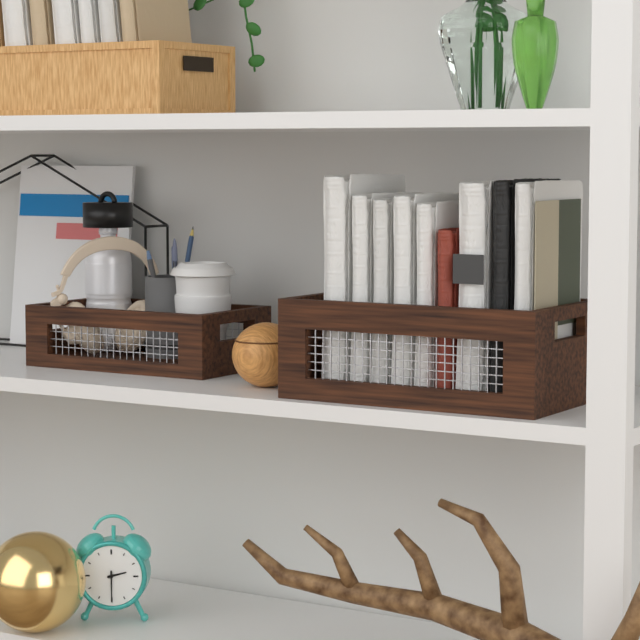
2:30
